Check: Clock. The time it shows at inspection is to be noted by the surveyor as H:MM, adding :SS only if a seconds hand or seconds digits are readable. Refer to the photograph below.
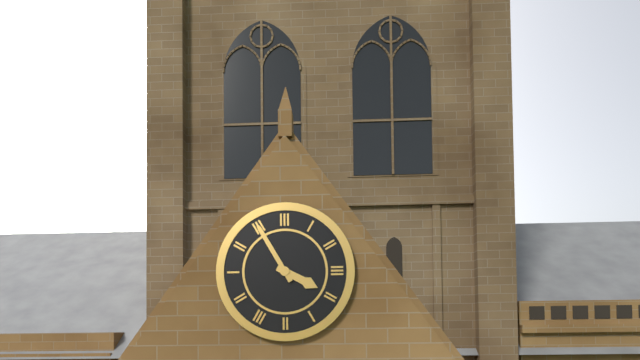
3:55
